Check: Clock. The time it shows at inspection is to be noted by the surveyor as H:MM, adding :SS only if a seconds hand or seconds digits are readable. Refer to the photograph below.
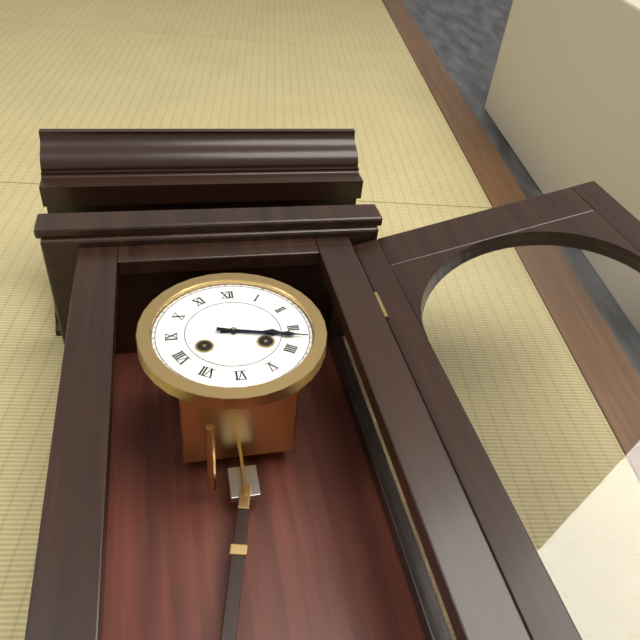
3:17
